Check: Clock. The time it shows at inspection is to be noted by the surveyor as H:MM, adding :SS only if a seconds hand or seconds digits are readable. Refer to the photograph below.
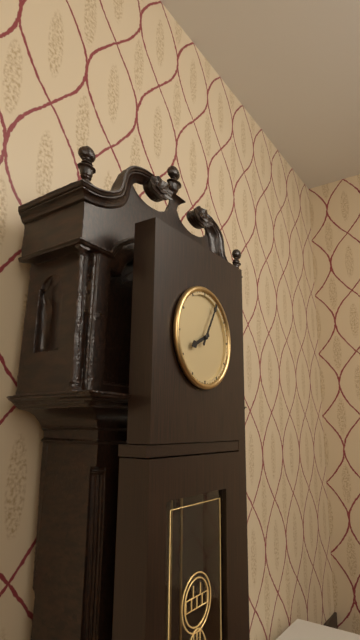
8:05
